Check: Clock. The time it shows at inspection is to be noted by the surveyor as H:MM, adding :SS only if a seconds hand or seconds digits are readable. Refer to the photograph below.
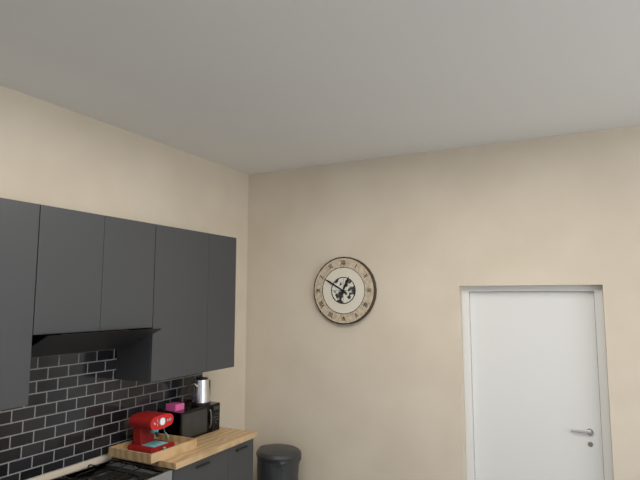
12:50
